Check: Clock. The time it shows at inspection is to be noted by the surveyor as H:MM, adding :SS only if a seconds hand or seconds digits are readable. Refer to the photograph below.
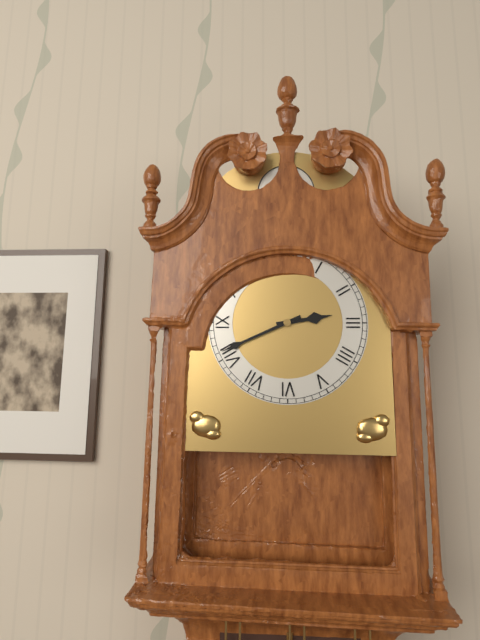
2:41
